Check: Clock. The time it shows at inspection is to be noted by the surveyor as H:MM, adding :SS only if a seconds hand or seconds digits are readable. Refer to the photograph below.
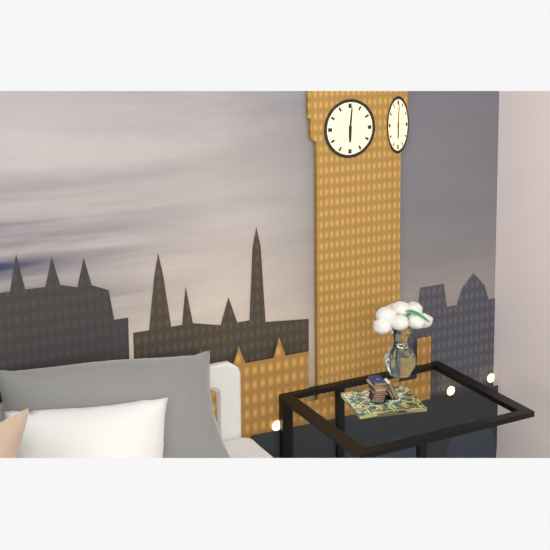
6:01
